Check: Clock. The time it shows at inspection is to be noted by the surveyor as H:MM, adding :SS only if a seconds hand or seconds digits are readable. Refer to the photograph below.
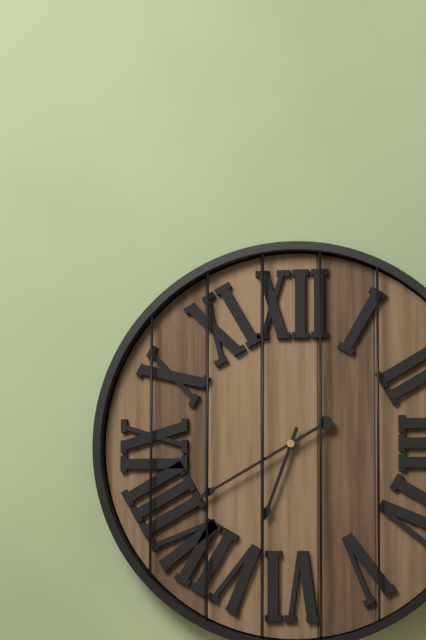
6:40
